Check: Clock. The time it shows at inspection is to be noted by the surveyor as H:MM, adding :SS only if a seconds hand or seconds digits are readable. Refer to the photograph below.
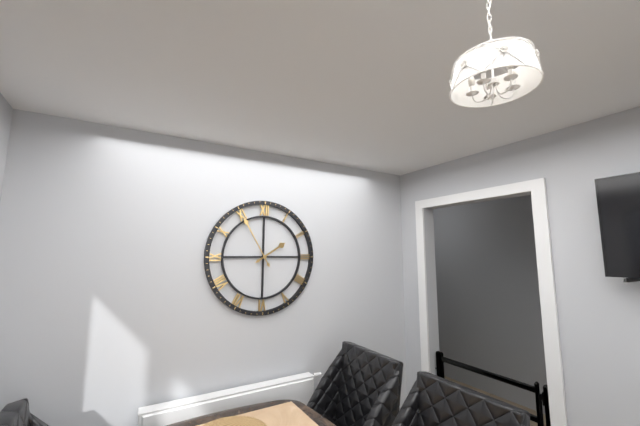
1:55
